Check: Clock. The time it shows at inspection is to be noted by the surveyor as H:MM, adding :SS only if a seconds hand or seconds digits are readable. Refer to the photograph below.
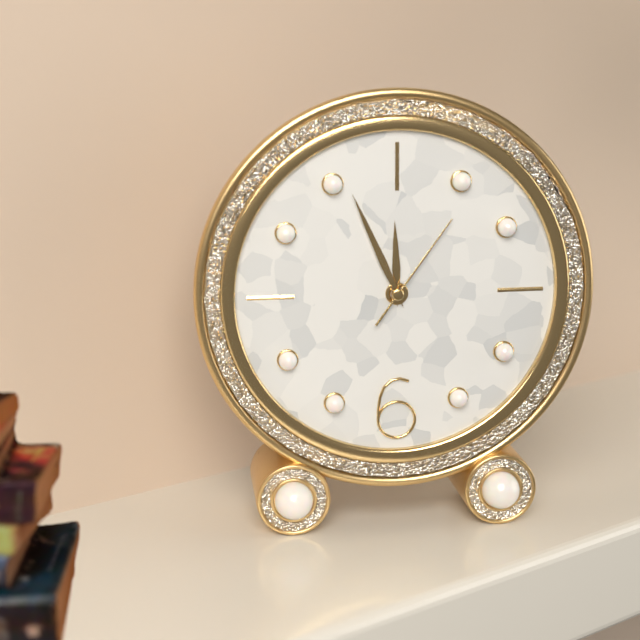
11:56:06
